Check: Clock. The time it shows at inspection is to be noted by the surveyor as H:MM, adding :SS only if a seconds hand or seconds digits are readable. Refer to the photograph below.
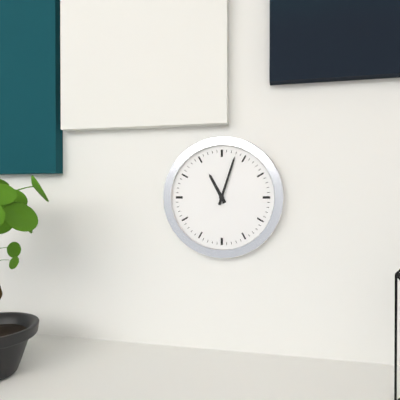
11:03
